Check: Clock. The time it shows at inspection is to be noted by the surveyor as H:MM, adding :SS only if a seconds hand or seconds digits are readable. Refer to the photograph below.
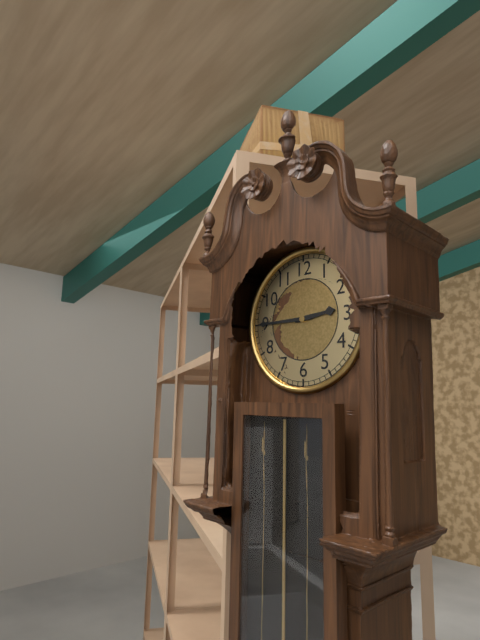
2:45
